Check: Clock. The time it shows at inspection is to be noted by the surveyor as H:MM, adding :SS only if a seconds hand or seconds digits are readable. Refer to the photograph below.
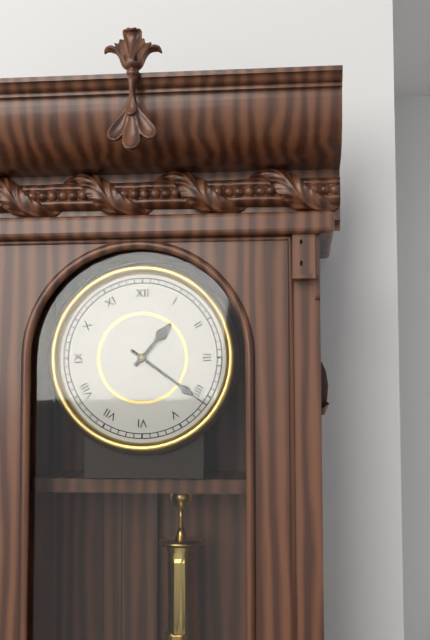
1:21
